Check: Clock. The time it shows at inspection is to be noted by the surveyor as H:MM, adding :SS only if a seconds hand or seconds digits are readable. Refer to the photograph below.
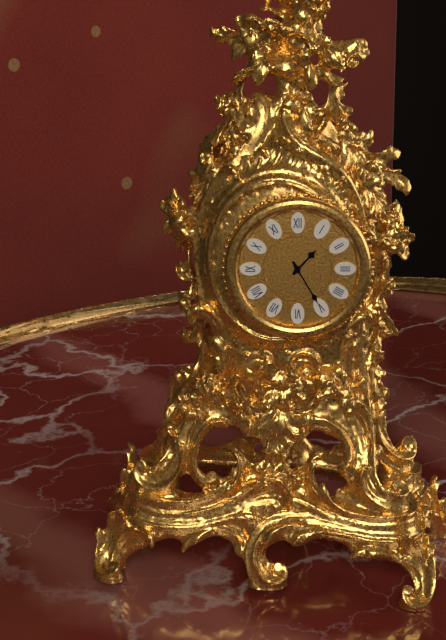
1:25
